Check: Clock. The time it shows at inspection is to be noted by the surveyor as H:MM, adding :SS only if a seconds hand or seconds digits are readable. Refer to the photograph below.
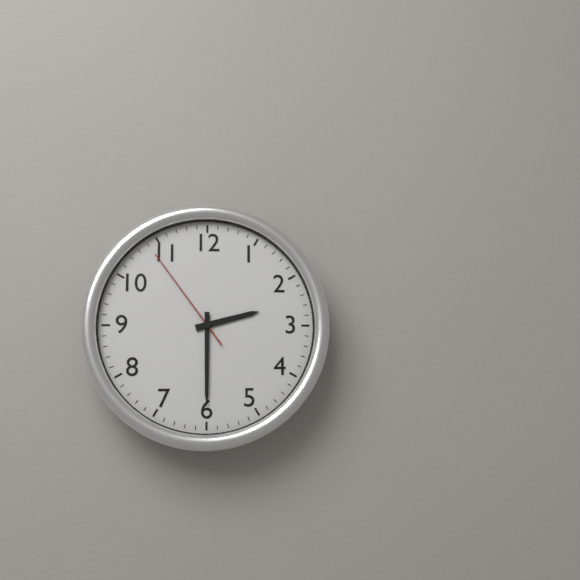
2:30:54
